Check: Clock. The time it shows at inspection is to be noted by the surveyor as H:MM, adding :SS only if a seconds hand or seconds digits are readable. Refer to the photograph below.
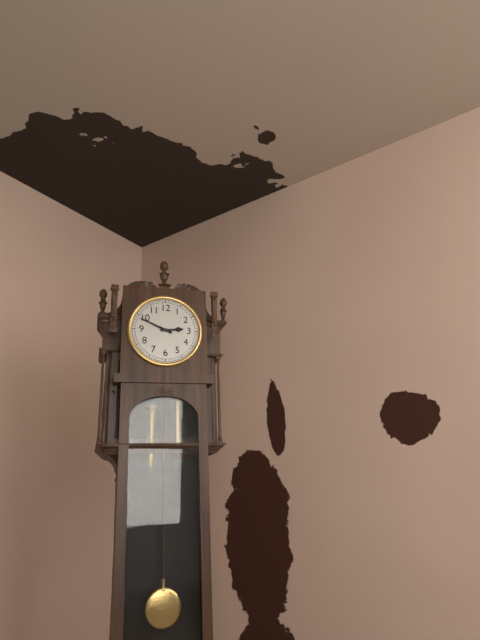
2:49
